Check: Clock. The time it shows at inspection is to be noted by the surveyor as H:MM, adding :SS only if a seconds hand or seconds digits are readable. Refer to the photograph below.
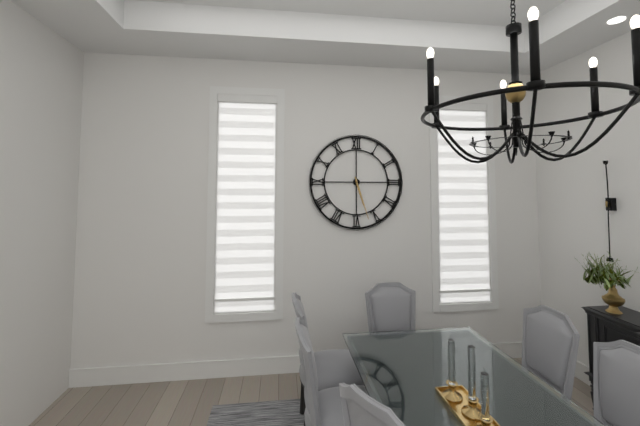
5:27
